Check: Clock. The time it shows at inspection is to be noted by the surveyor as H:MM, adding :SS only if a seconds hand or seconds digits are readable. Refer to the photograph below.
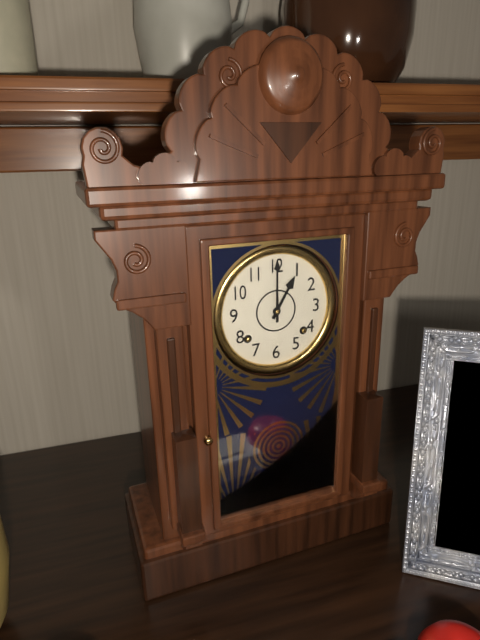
1:00
